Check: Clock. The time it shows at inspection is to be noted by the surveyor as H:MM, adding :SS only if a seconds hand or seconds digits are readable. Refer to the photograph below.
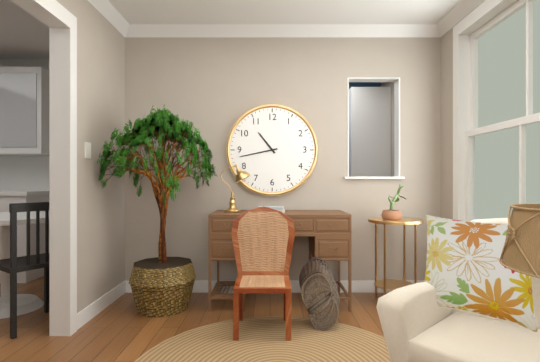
10:43
